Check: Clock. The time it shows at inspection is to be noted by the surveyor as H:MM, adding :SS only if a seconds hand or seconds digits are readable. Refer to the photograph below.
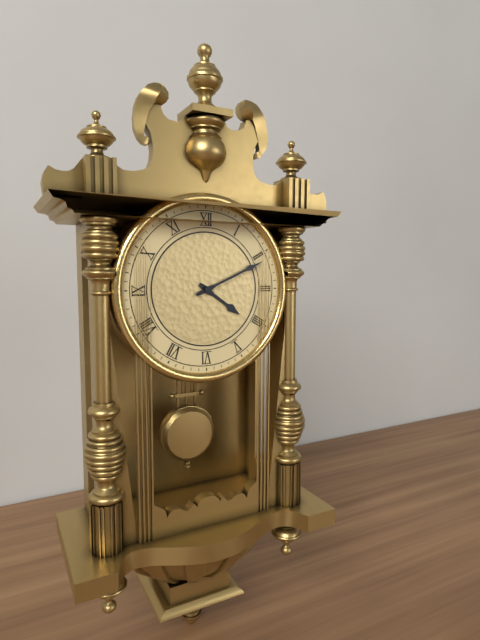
4:11
